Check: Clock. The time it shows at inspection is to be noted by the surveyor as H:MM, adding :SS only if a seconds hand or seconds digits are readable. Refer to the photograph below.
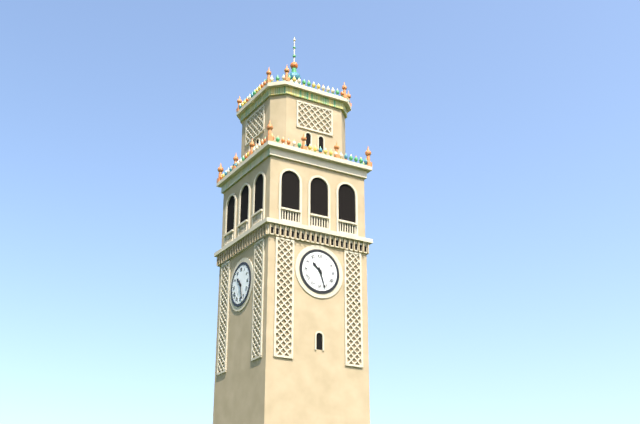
10:27
